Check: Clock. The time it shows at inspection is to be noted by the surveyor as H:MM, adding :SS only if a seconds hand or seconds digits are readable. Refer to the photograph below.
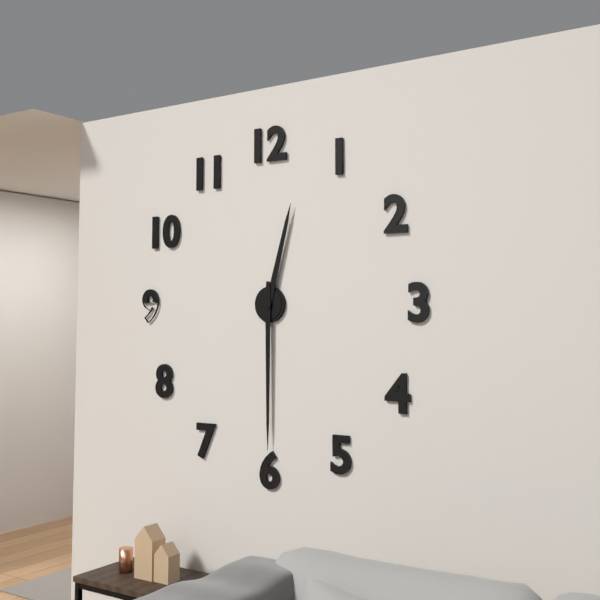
12:30
